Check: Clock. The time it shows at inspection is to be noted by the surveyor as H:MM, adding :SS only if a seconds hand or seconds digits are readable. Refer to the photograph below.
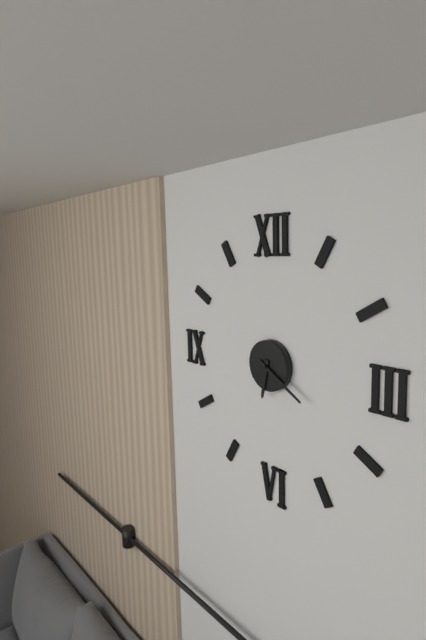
6:20
